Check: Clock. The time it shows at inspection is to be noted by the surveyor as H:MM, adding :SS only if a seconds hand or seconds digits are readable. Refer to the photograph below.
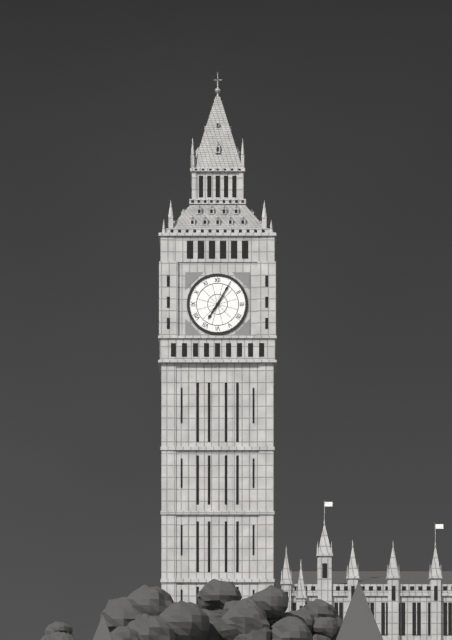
7:05
